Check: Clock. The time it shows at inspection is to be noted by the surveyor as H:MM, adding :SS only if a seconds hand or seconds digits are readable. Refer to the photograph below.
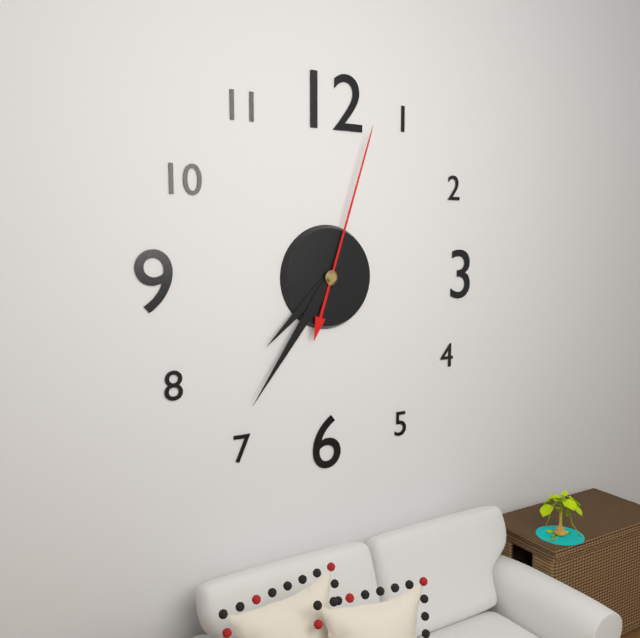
7:36:03
